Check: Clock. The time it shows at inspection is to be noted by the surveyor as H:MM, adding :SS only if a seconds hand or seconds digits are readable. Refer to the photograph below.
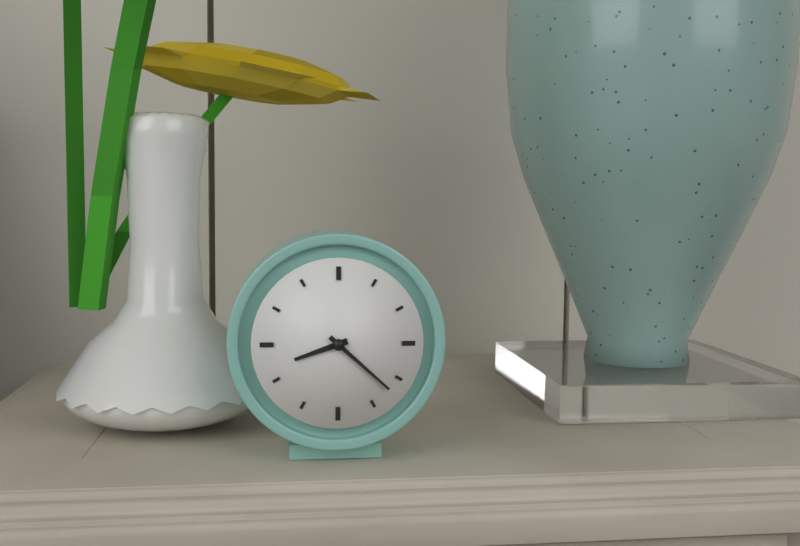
8:22
